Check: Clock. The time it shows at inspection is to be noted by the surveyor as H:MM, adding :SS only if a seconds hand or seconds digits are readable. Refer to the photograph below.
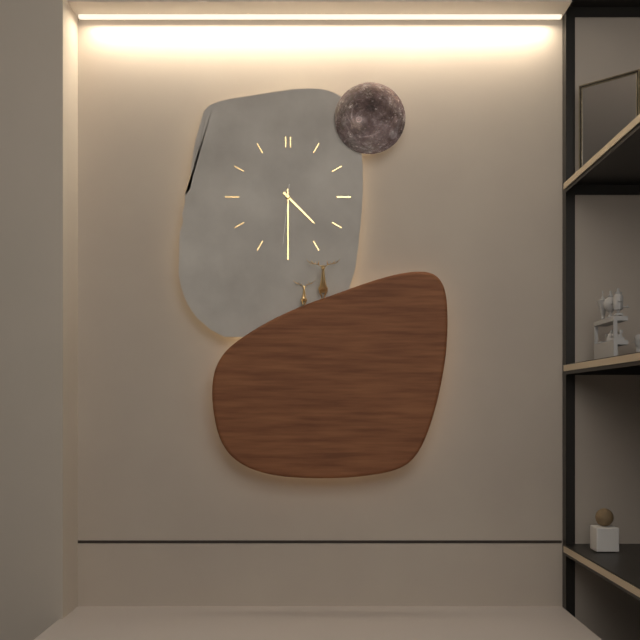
4:30:31
